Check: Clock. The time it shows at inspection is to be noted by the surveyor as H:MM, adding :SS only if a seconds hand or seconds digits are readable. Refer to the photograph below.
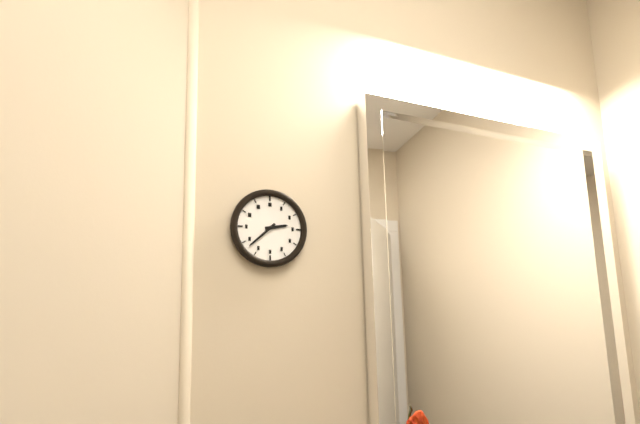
2:38
